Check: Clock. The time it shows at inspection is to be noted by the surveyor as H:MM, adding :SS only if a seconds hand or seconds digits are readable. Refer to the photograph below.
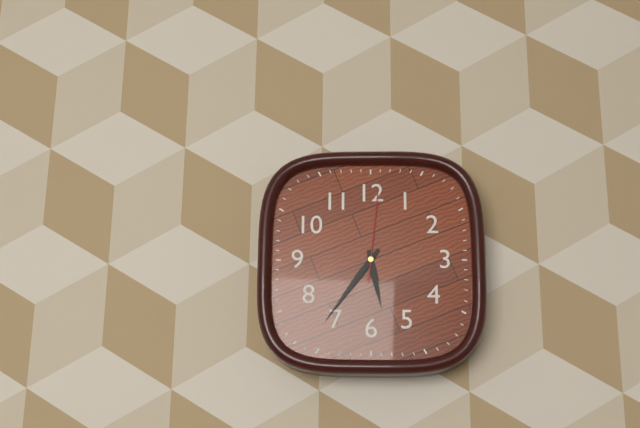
5:36:01
